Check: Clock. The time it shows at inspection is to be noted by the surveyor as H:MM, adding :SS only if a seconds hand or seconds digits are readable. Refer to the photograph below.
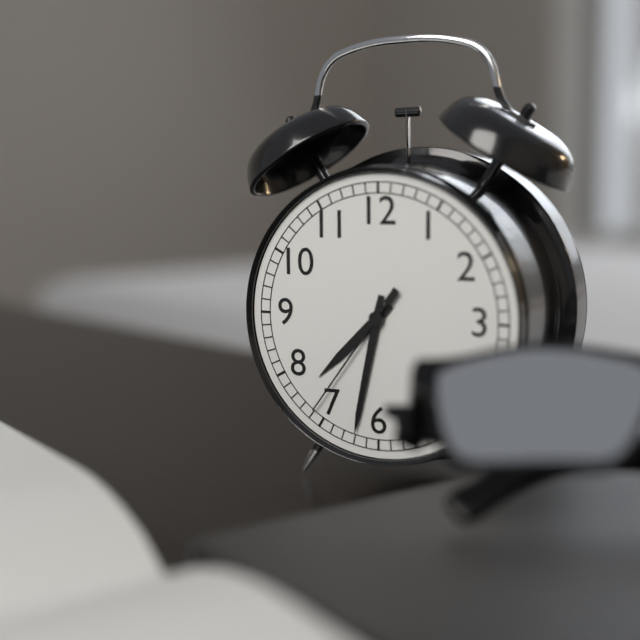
7:32:36
